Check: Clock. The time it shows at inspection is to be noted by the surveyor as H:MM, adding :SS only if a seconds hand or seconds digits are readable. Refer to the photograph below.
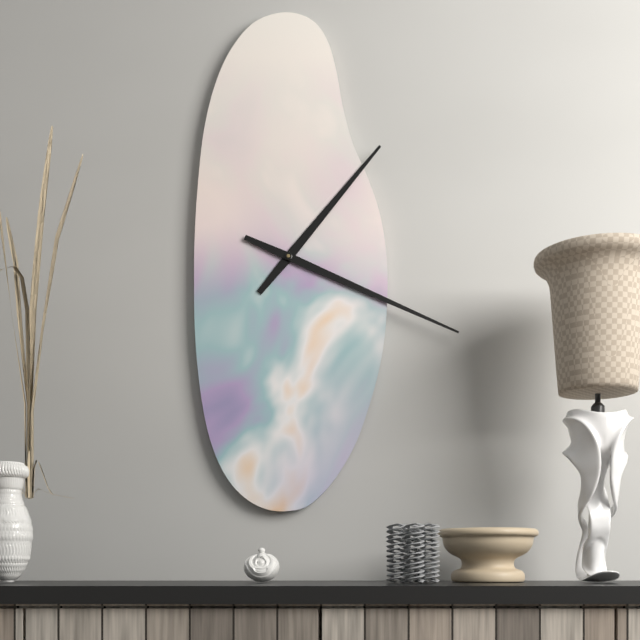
1:19
